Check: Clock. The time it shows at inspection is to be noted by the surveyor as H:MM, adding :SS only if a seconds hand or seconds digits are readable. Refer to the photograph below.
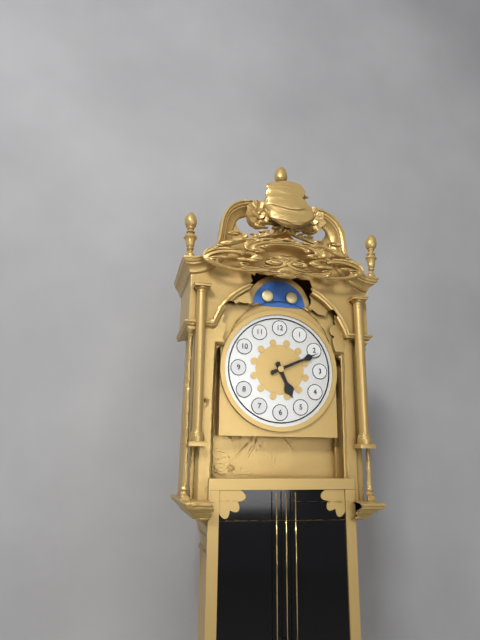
5:11
